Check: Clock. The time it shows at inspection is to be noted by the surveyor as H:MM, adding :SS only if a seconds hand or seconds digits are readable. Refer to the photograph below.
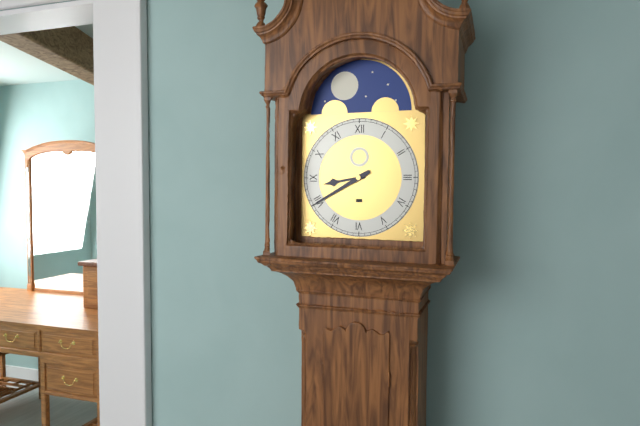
8:40
